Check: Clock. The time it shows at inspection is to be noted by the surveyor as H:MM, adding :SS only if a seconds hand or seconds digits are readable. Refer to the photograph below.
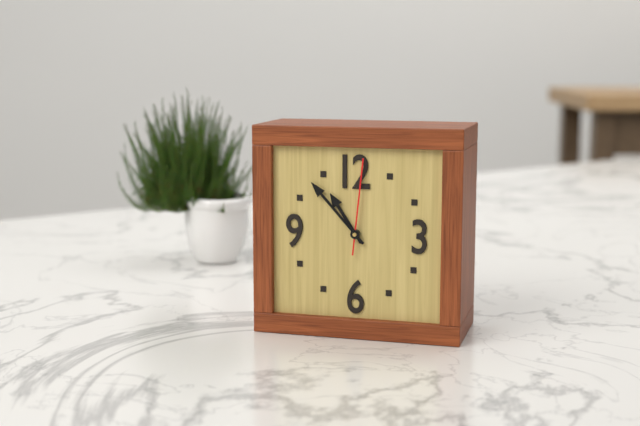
10:53:01
